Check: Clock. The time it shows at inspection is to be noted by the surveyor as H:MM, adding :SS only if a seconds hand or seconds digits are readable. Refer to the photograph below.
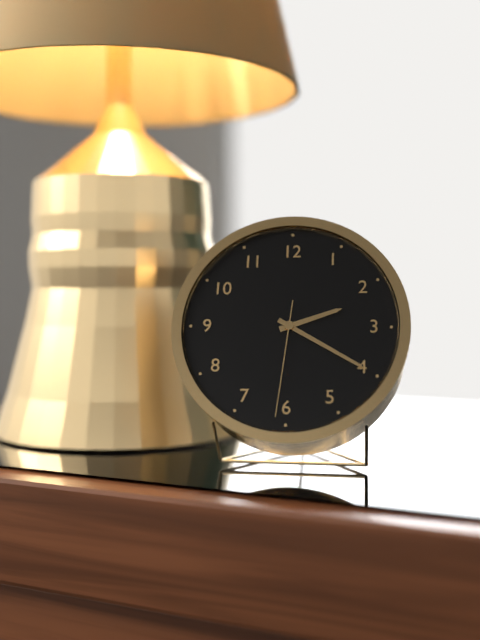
2:20:31
